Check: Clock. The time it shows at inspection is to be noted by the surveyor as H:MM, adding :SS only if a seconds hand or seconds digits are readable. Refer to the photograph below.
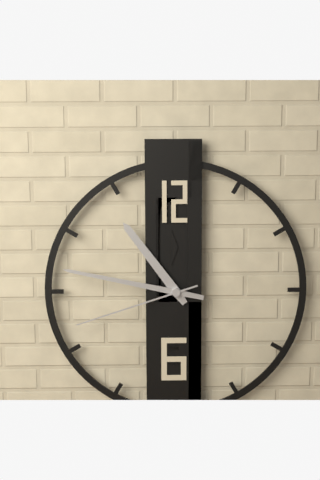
10:47:42
